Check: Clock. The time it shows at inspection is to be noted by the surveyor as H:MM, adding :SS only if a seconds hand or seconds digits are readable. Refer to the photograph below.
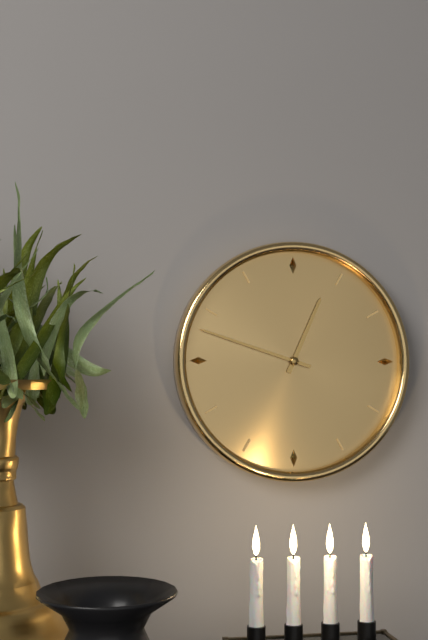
12:48
